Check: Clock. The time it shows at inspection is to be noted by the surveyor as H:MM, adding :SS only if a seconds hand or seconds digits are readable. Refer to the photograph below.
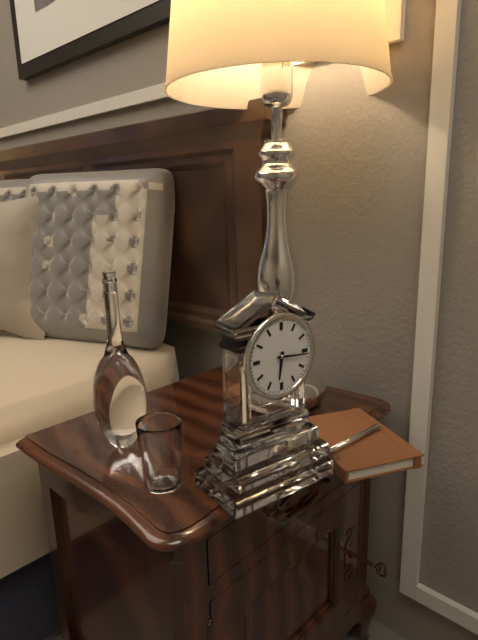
6:16
